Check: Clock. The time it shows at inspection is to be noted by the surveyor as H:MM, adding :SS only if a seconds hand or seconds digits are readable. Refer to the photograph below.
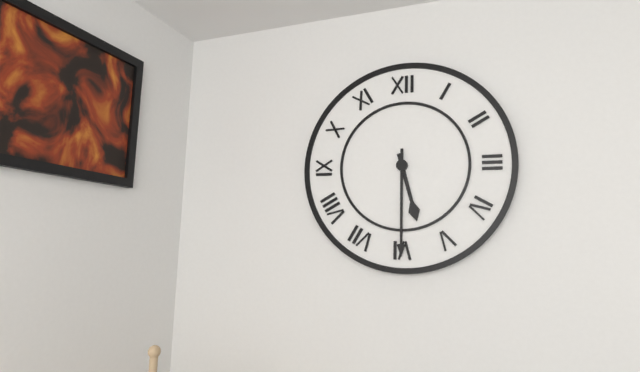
5:30
